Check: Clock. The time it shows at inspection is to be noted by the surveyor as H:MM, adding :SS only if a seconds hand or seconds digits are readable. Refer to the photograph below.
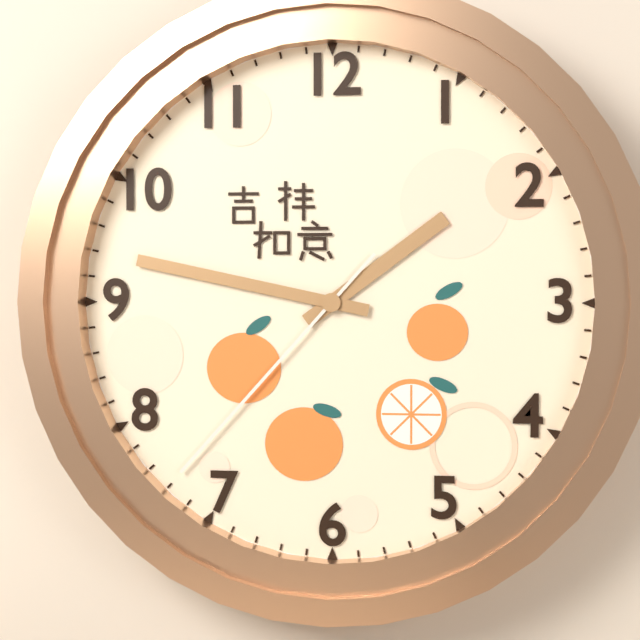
1:47:37
